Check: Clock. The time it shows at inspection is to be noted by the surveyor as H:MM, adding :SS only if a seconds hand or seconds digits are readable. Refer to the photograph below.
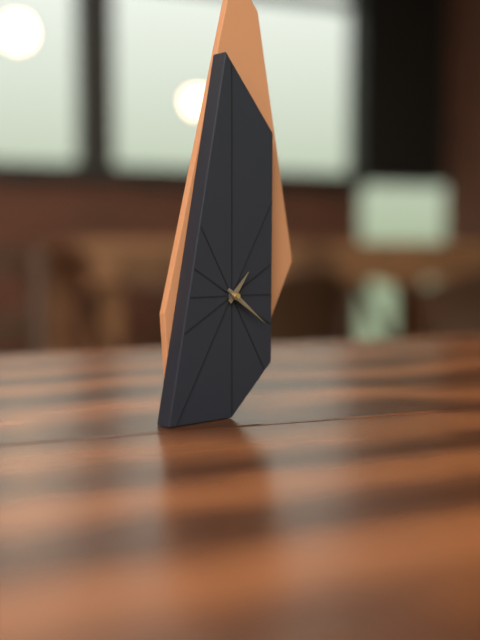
1:21
